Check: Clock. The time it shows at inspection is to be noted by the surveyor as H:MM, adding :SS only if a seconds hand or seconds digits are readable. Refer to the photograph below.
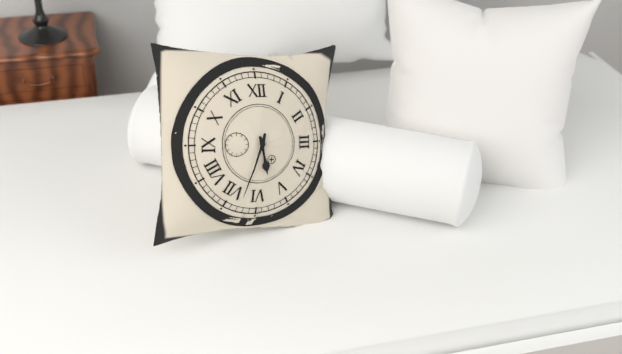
5:33
